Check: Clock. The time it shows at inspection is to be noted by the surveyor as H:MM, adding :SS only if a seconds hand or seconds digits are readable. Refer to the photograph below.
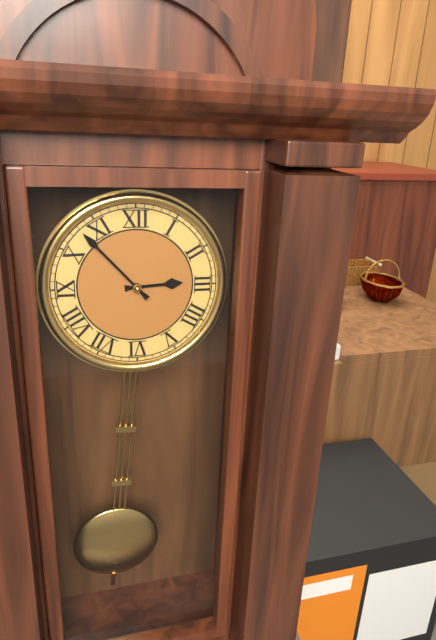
2:53
